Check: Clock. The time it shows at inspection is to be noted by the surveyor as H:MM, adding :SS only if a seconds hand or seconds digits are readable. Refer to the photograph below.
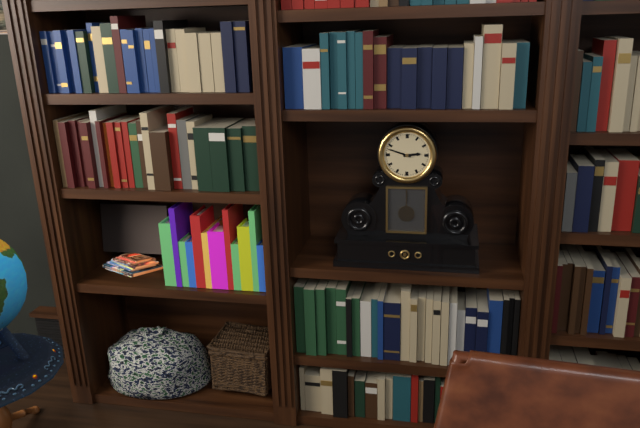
2:48
